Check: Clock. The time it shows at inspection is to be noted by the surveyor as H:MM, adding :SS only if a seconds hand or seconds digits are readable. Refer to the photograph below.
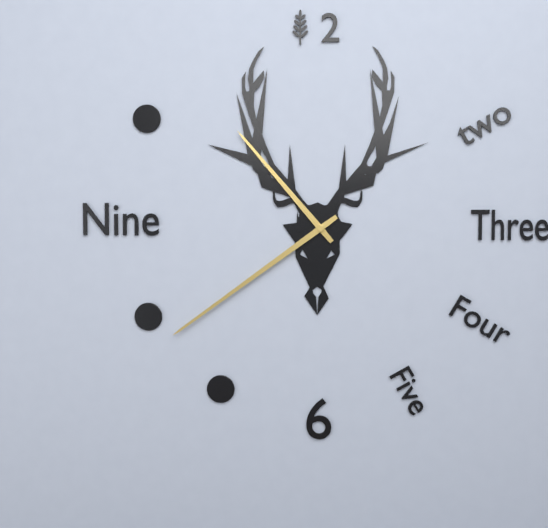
10:39
